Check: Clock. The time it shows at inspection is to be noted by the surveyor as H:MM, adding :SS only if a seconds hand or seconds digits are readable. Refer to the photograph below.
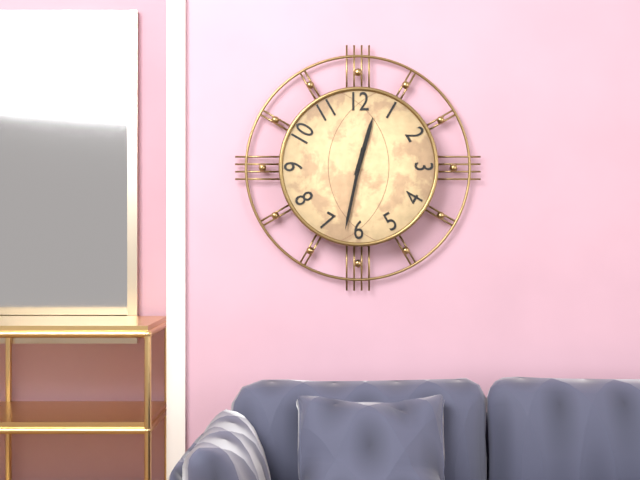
12:32
